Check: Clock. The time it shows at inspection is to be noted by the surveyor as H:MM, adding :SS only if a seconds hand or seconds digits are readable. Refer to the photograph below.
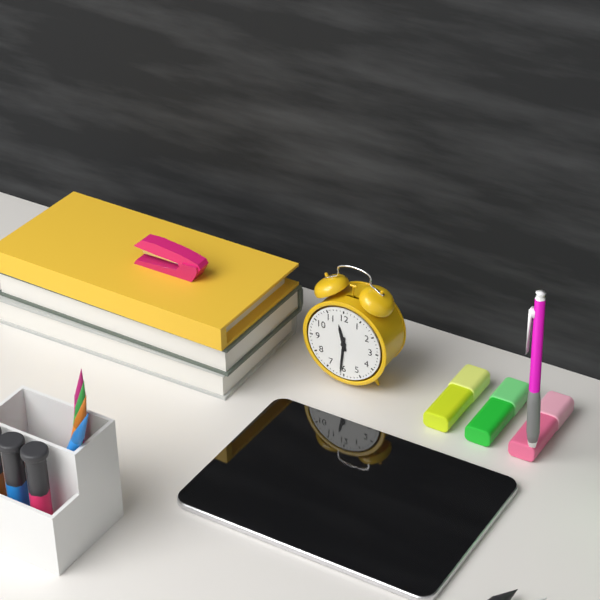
11:31
